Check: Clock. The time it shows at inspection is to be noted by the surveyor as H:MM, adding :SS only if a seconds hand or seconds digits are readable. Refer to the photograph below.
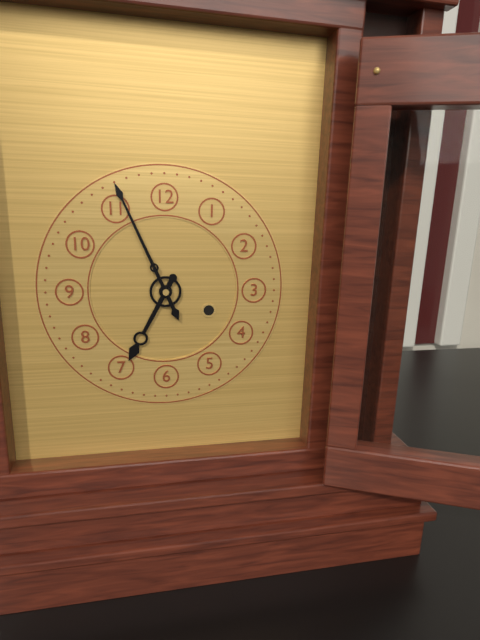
6:56
